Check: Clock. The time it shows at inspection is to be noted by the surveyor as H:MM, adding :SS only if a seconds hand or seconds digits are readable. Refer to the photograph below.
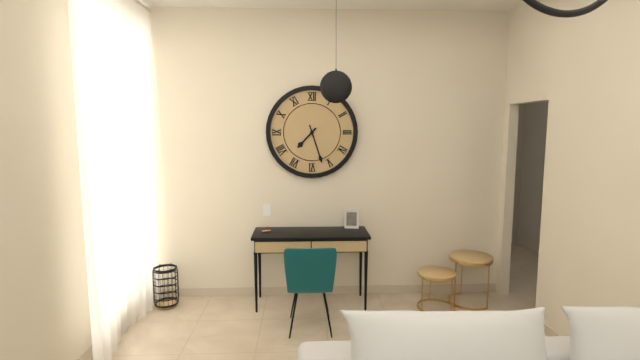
7:27
